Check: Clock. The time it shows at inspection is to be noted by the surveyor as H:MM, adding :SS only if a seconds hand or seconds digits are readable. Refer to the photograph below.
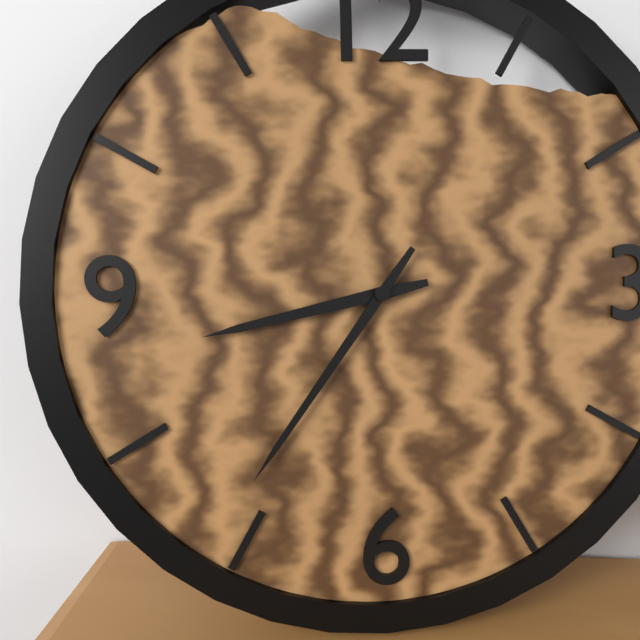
8:36
